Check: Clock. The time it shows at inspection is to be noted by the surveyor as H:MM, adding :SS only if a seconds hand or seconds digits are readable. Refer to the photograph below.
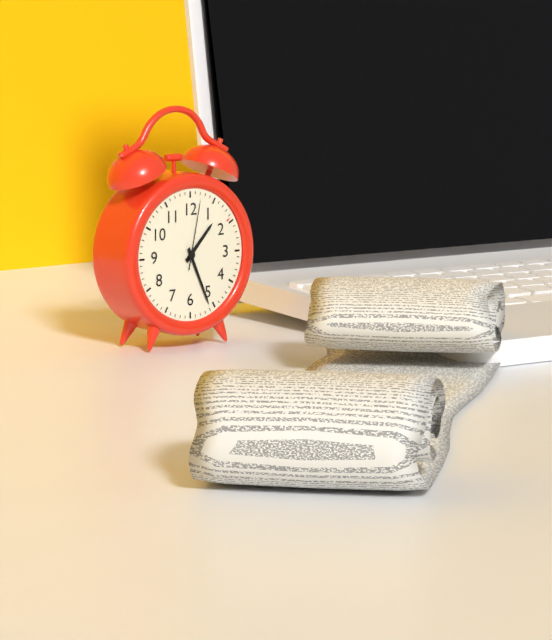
1:26:02
